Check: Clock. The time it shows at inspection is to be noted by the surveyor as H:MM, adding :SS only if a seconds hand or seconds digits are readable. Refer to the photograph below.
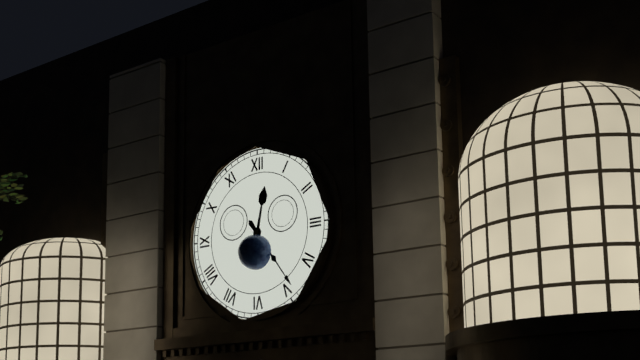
12:24
